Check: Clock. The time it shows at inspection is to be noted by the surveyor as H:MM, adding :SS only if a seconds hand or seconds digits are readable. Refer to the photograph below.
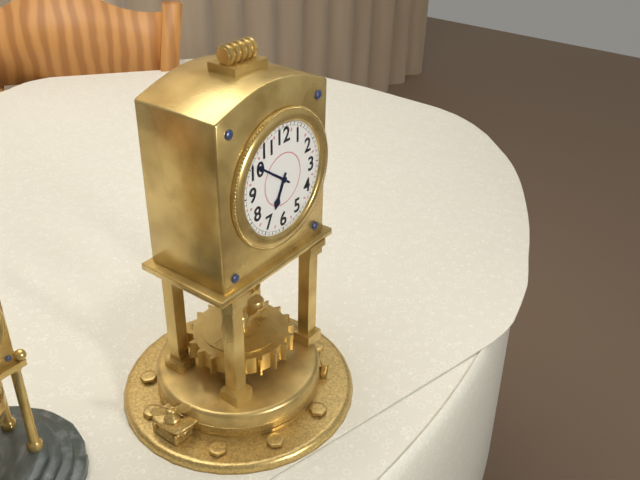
6:51
